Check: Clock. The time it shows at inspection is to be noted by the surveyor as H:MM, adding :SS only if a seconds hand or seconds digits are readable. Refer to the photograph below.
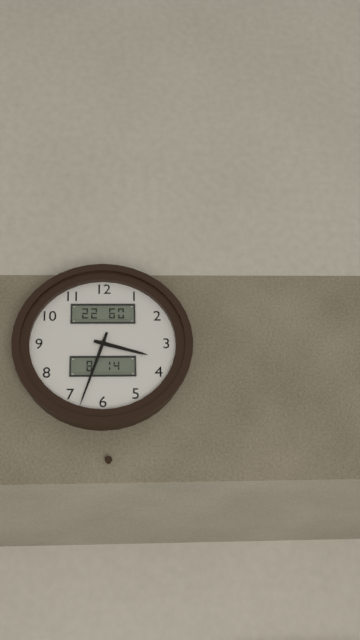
3:33
